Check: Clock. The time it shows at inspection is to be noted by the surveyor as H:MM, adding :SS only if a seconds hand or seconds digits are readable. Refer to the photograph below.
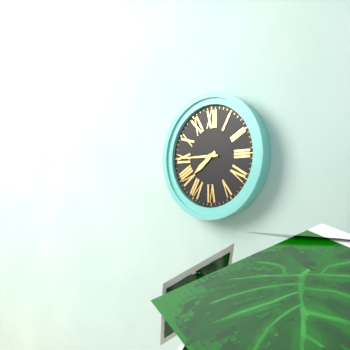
7:45
